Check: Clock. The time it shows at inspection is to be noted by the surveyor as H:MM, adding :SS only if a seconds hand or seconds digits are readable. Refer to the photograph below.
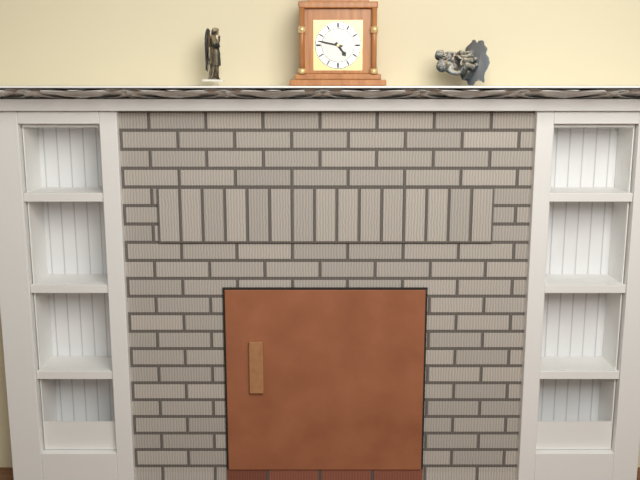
4:47
